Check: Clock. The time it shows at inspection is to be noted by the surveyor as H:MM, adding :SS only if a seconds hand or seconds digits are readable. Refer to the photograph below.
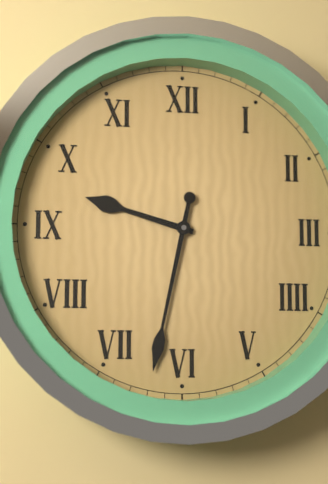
9:32
